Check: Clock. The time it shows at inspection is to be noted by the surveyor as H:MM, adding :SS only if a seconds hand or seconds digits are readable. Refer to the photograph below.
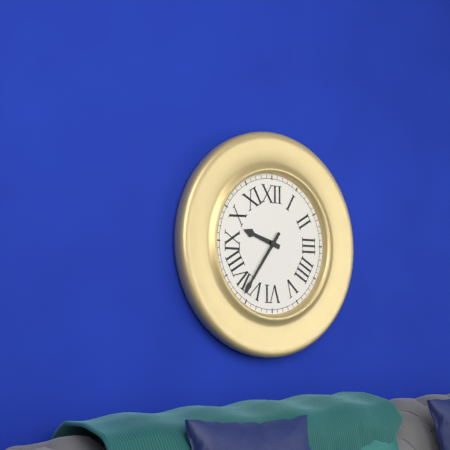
9:36
